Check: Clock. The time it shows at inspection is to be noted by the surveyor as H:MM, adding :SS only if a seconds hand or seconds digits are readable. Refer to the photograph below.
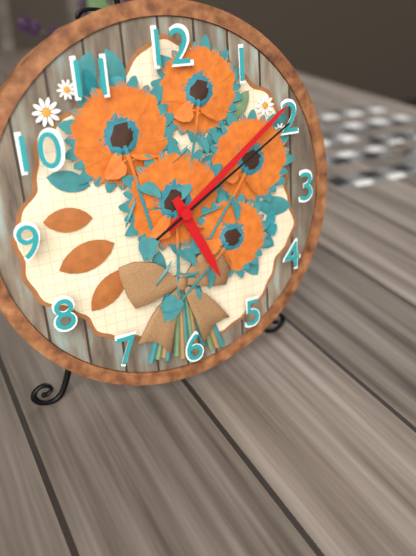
5:09:10
